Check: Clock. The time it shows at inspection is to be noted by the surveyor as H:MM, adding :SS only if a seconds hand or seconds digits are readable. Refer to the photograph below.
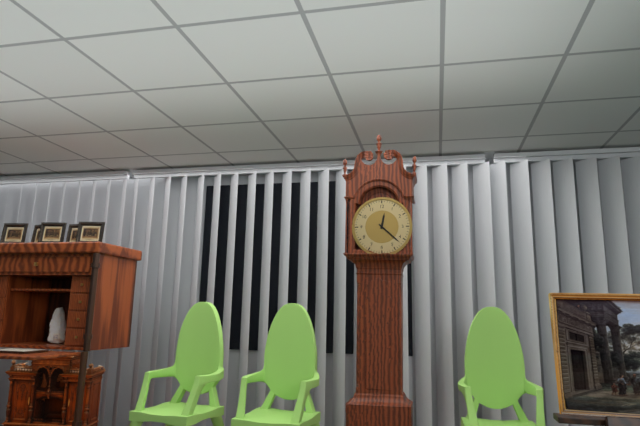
12:22
